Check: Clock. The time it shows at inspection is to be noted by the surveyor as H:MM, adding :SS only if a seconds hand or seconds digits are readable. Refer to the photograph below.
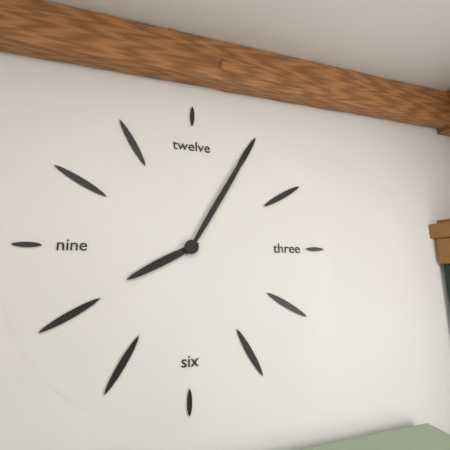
8:05
